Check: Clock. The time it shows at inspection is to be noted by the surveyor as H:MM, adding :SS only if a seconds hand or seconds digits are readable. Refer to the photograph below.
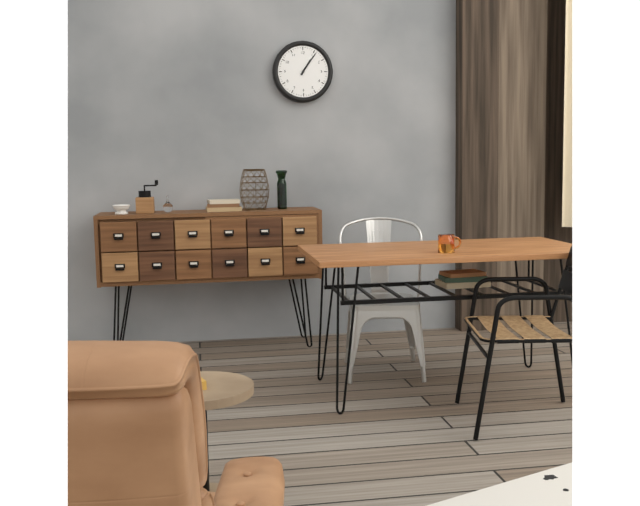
1:06
